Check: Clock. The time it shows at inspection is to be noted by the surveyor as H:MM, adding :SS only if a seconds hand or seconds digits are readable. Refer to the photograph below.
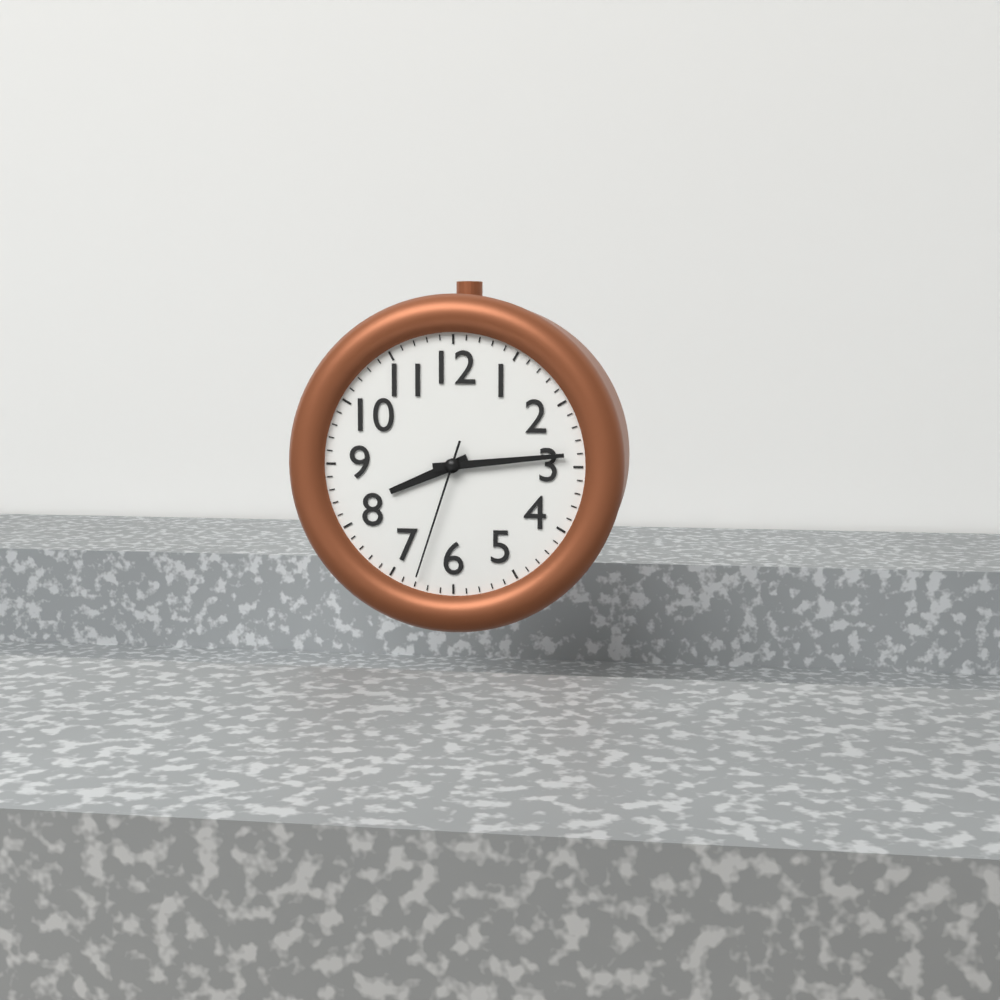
8:14:33
